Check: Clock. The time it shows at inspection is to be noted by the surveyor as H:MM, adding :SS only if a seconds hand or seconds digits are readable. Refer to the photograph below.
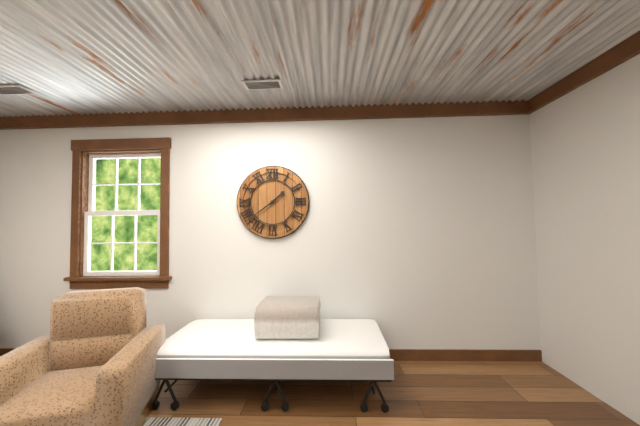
1:39
